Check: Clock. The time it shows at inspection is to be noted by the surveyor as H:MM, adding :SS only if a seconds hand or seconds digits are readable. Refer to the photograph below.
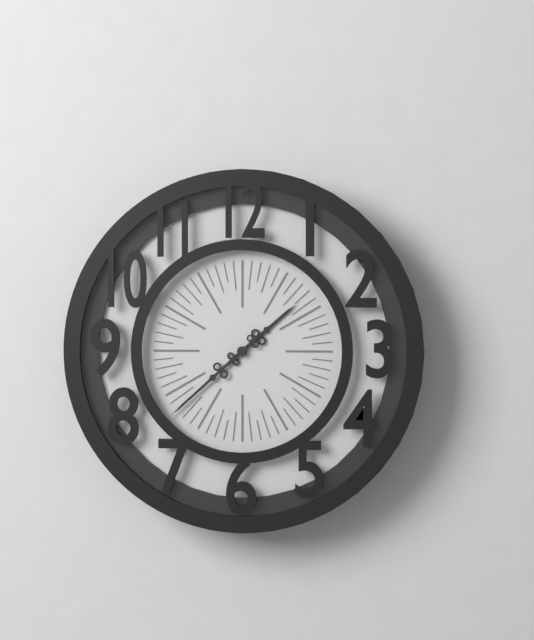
1:38
